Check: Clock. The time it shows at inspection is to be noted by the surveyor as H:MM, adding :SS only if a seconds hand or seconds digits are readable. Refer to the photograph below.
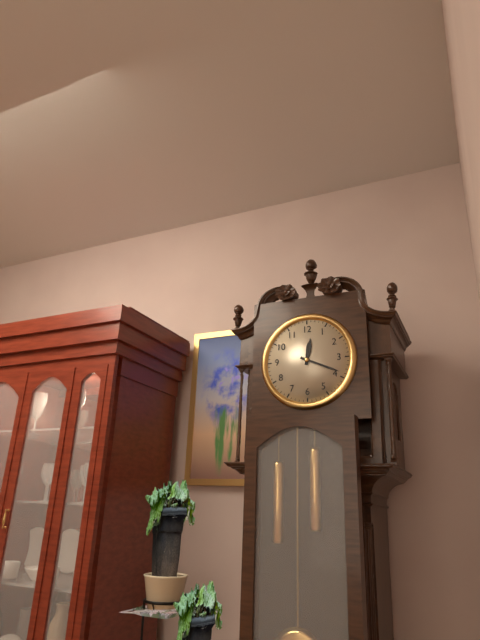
12:19
